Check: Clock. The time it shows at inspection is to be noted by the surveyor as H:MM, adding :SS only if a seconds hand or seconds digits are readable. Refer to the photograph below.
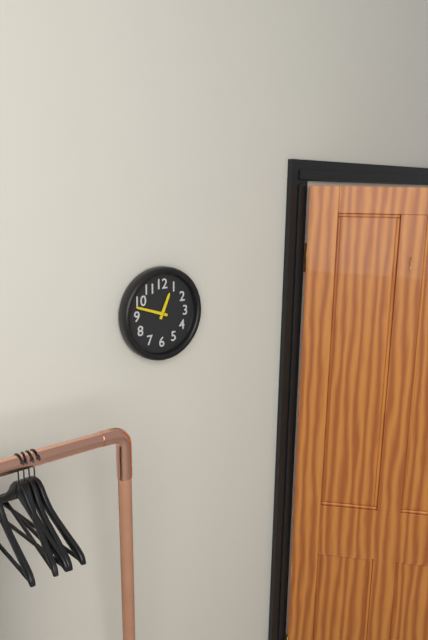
12:48
